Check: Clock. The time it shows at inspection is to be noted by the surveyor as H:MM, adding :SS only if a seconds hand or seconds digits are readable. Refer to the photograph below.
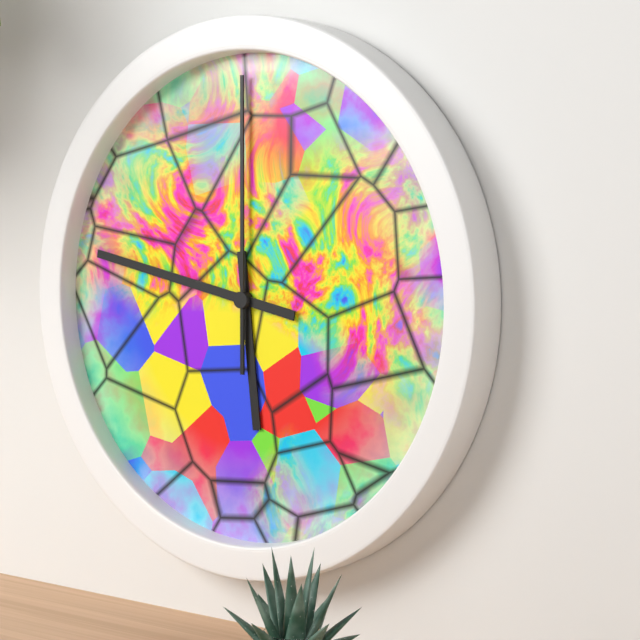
5:47:00
